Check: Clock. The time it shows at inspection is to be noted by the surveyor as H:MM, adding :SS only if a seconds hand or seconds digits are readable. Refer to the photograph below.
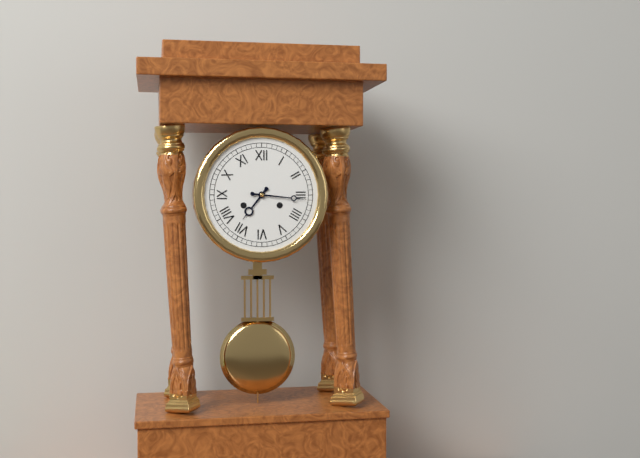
7:16
